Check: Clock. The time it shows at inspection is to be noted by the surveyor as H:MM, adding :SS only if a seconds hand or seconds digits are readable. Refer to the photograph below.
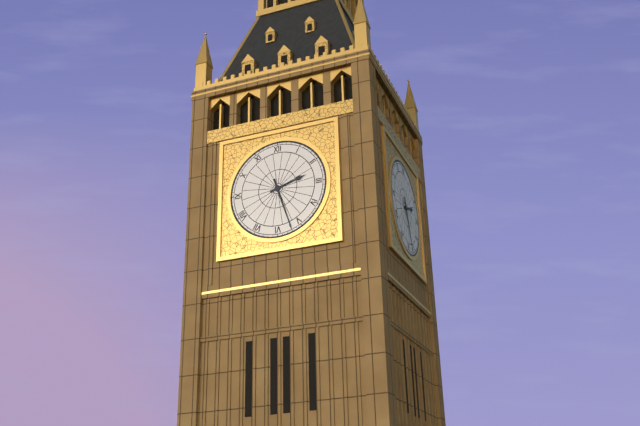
2:27
